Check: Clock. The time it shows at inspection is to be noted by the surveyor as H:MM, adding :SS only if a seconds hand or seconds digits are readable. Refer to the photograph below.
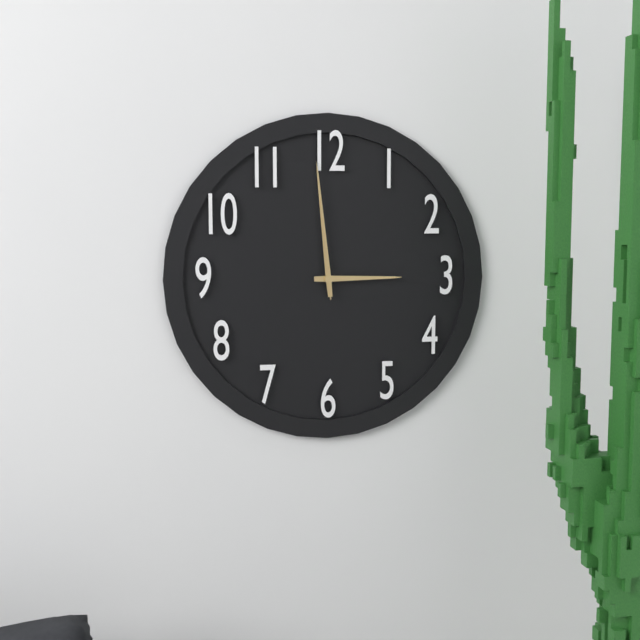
2:59:59
